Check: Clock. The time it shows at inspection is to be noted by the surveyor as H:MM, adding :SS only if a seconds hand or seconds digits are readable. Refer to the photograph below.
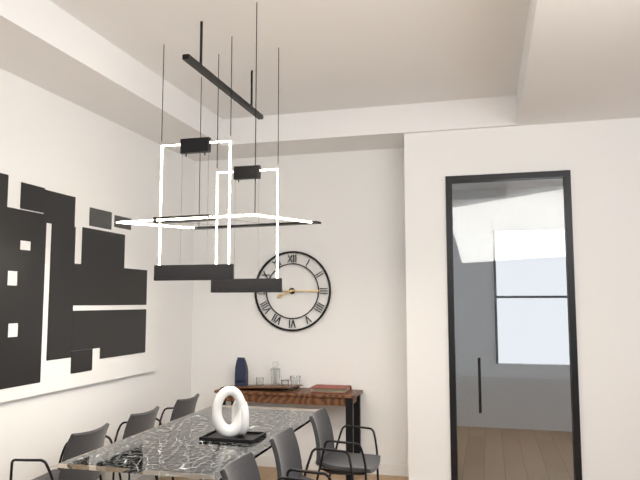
8:15
